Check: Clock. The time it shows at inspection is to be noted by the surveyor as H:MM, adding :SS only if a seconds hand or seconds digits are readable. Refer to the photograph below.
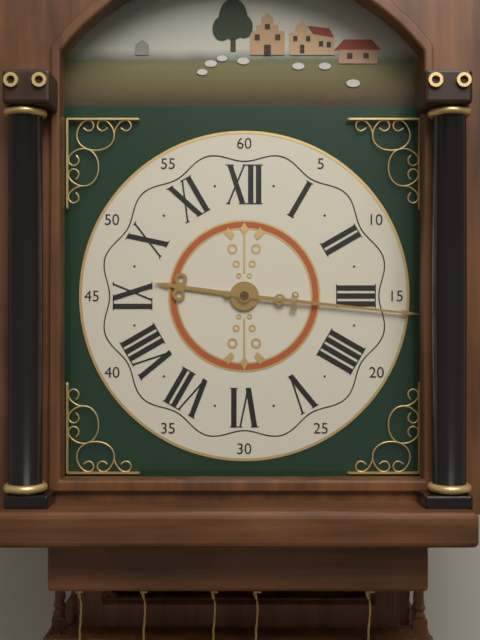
9:16
